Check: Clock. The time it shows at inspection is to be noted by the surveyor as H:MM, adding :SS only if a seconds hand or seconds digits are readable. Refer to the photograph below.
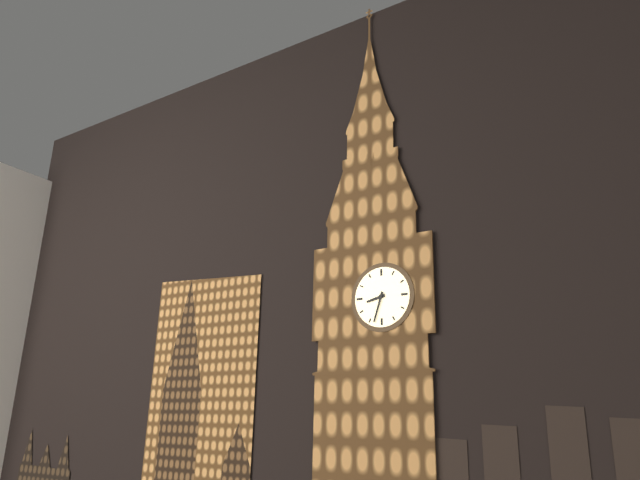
8:33
